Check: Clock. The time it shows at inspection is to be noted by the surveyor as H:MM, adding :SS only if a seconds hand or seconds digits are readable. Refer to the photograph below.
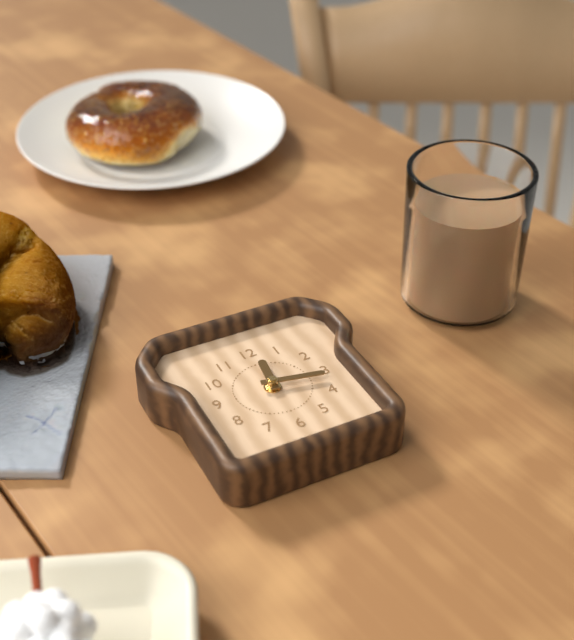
12:17
